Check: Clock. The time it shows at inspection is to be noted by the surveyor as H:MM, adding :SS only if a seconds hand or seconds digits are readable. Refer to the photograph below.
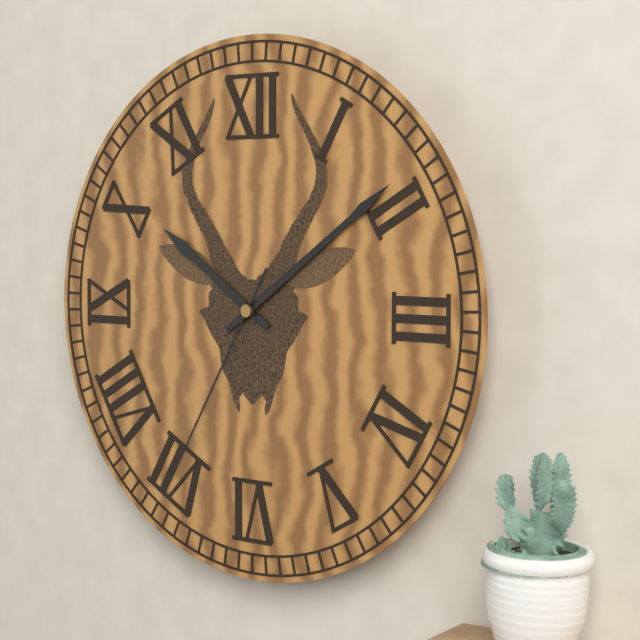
10:09:35
